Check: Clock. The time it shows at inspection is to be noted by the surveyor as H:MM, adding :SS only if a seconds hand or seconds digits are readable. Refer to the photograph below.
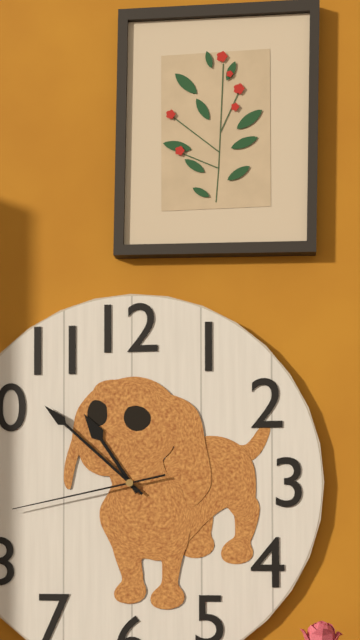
10:52:43
